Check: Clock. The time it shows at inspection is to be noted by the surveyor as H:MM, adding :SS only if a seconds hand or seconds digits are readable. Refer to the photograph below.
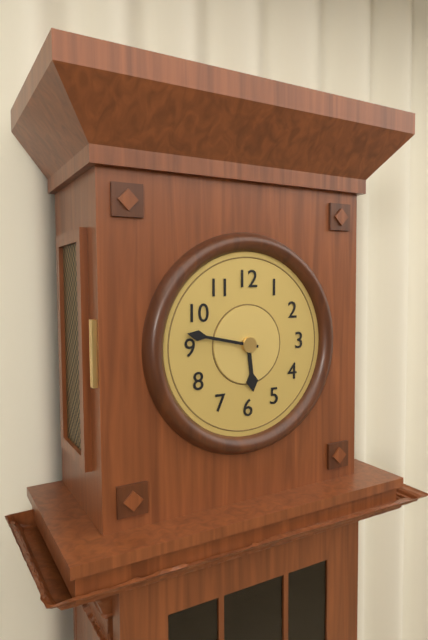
5:47
